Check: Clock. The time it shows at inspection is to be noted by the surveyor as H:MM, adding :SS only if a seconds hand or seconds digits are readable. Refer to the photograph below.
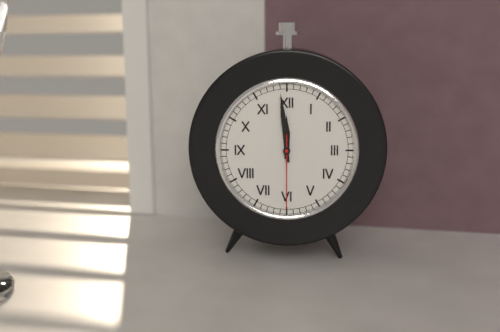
11:59:30
